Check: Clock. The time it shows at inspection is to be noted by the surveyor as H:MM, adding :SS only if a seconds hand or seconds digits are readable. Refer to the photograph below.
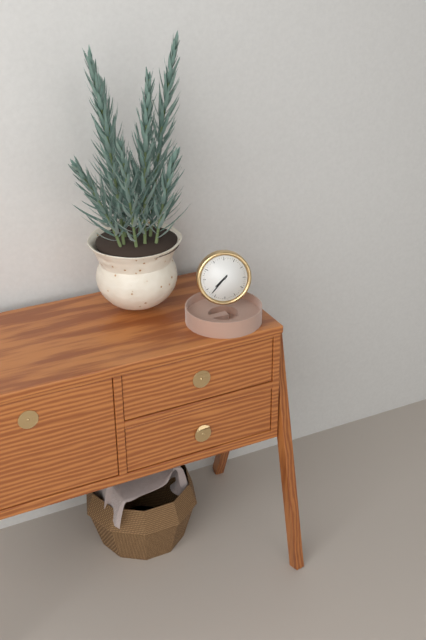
7:37
